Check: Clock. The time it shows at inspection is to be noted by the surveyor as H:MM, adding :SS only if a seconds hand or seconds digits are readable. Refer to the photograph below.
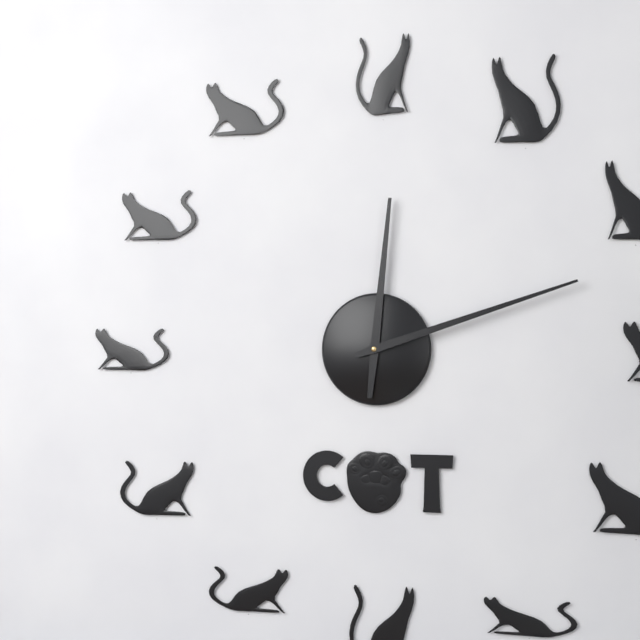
12:12
